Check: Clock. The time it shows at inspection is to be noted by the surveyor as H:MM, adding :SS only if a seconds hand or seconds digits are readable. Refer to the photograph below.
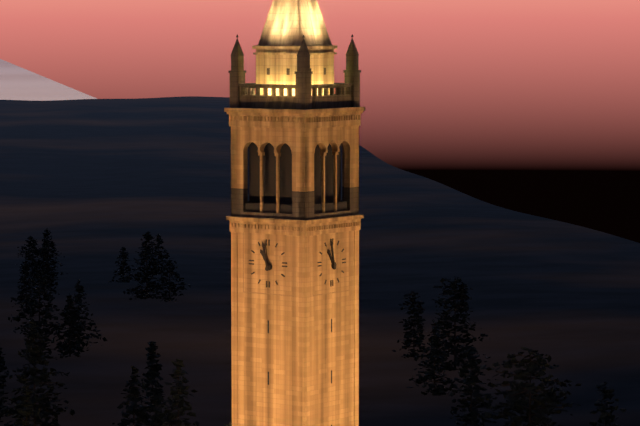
10:58
